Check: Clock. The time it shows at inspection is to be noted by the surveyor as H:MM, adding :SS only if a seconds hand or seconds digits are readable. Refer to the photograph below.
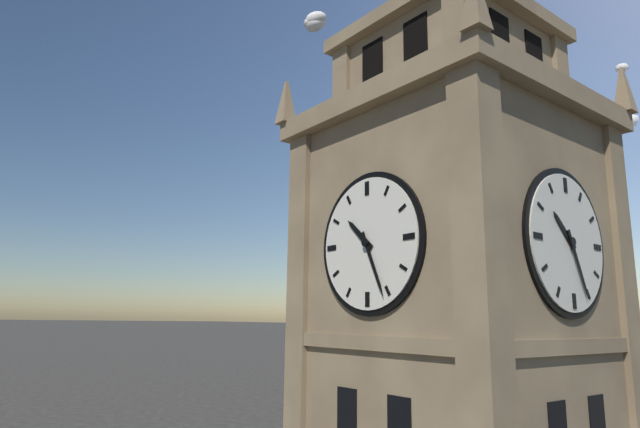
10:26
